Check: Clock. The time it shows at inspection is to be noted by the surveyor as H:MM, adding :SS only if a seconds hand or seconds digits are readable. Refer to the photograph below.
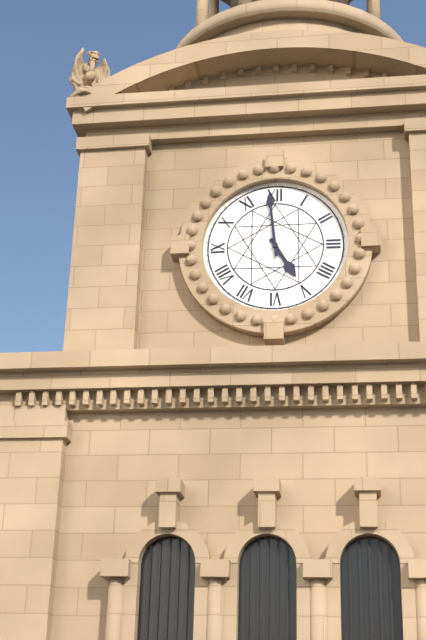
4:59
